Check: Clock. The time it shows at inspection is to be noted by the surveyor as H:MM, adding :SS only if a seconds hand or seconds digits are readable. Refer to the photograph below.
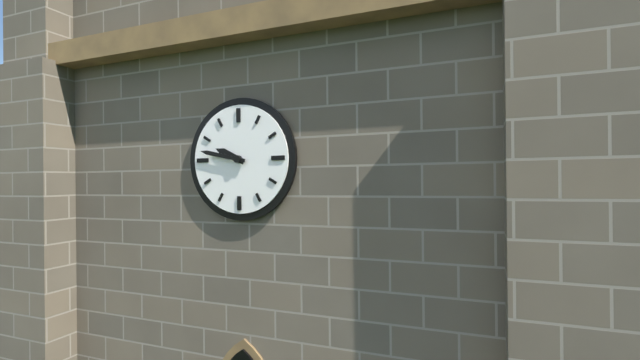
9:47
